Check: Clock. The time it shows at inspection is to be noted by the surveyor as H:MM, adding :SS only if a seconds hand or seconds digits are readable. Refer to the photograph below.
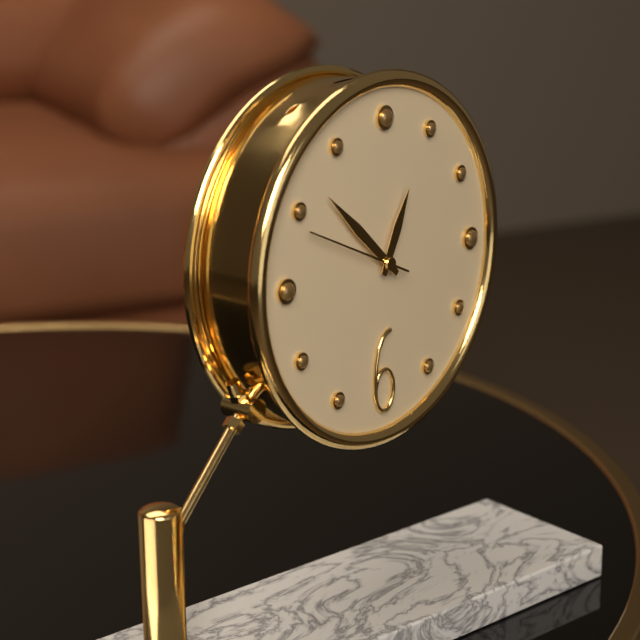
12:52:49
